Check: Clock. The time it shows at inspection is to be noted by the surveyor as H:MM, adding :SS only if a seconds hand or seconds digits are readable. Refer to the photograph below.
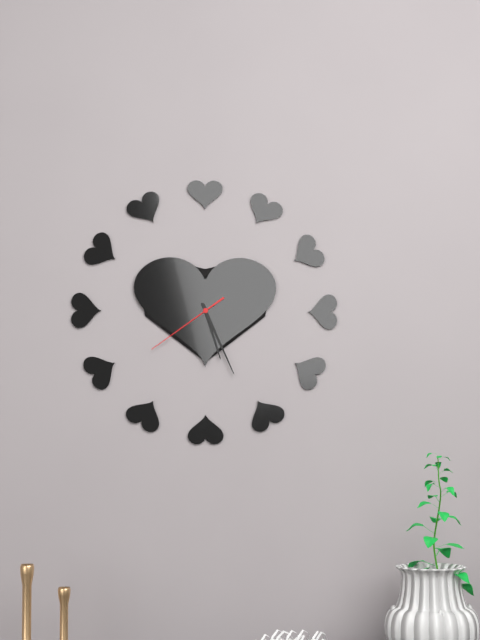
5:26:39
